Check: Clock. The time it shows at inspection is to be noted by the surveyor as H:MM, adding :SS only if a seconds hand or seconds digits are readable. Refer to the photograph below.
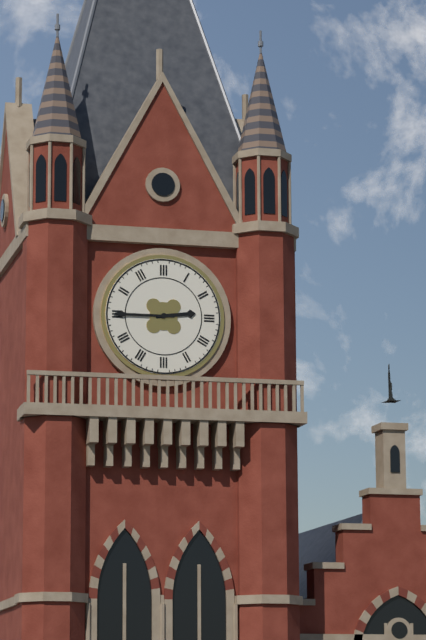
2:45
